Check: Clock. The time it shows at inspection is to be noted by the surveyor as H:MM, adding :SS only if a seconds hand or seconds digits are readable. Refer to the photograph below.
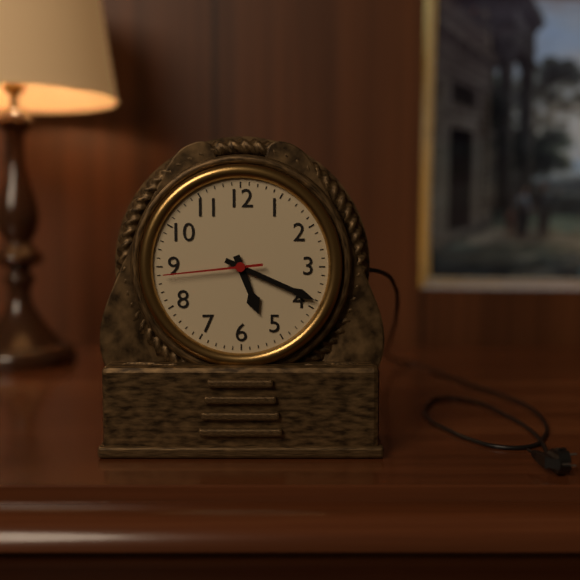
5:19:44
